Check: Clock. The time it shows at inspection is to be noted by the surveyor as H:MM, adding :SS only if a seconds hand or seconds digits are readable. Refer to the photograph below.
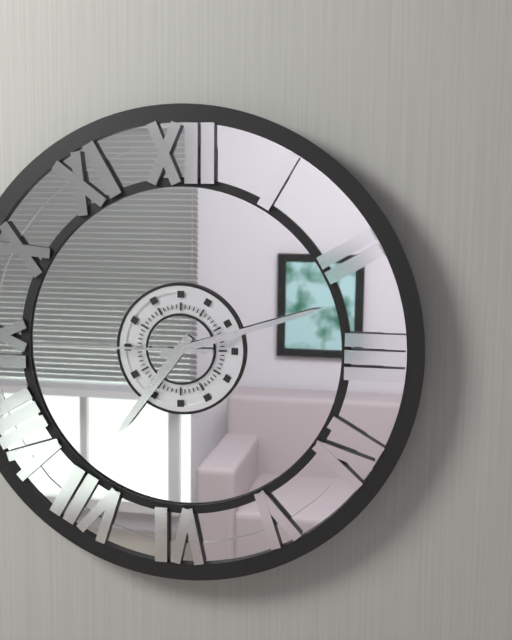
7:12:45
